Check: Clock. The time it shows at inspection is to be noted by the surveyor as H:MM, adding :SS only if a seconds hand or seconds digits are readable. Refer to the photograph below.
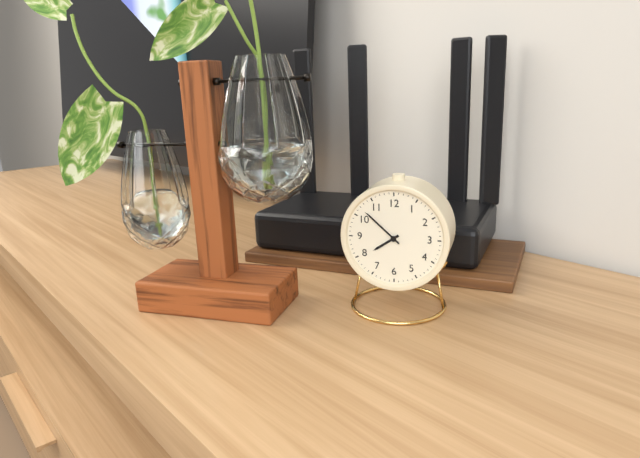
7:52
